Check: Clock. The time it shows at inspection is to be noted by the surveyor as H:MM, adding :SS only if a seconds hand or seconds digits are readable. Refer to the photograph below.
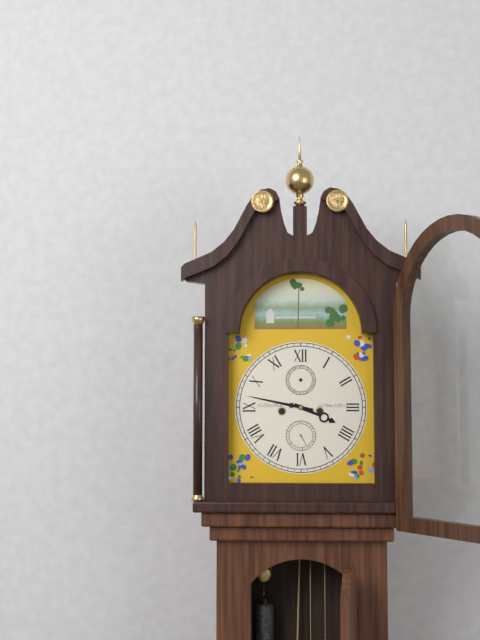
3:47
